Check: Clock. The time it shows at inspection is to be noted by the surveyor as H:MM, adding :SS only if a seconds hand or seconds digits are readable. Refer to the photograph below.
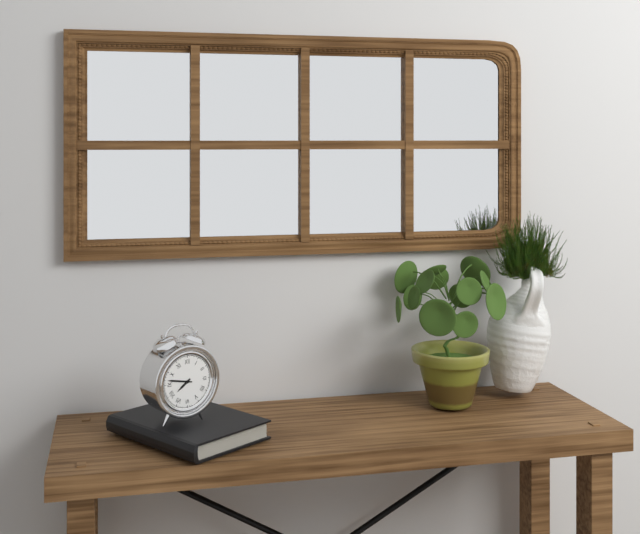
7:47
